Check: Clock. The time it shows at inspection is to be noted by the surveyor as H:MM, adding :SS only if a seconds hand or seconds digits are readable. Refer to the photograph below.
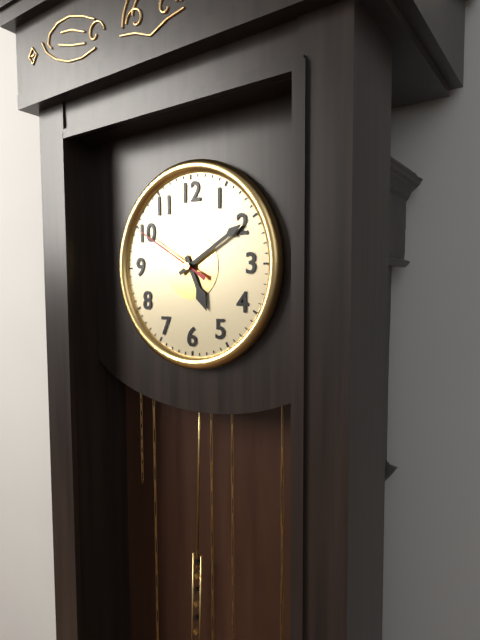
5:10:50
